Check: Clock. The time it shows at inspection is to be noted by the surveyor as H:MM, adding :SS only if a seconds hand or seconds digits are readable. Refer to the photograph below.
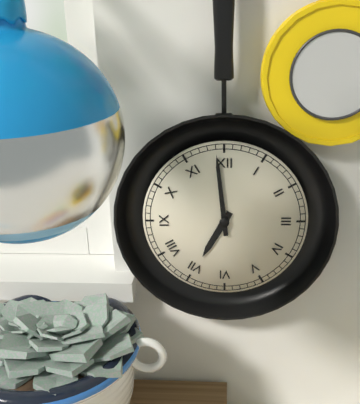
6:59
